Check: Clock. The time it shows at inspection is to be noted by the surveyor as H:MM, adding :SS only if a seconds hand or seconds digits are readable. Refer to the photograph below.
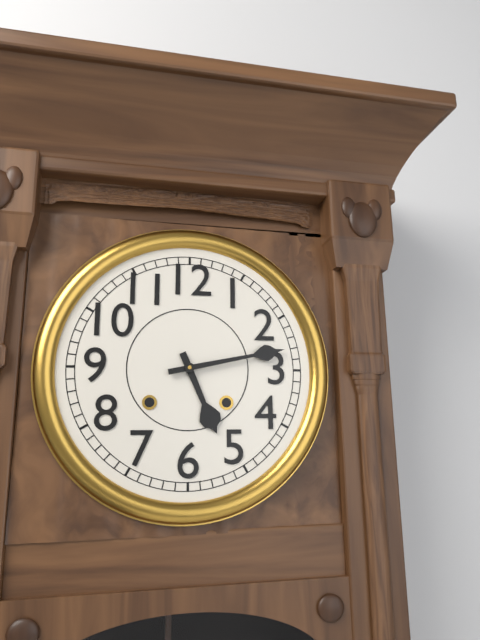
5:13
